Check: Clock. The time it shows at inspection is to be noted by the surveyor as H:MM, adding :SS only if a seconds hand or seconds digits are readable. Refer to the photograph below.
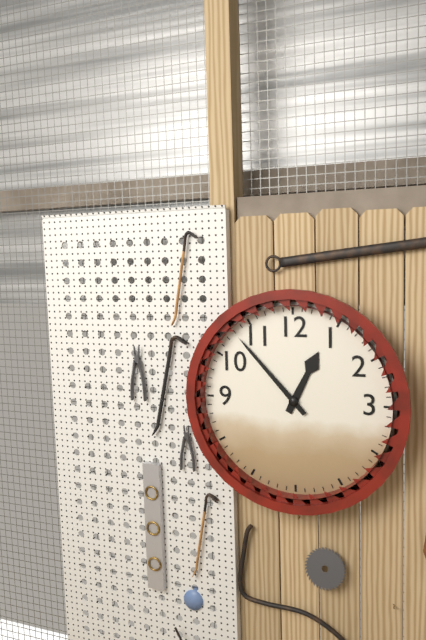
12:53
